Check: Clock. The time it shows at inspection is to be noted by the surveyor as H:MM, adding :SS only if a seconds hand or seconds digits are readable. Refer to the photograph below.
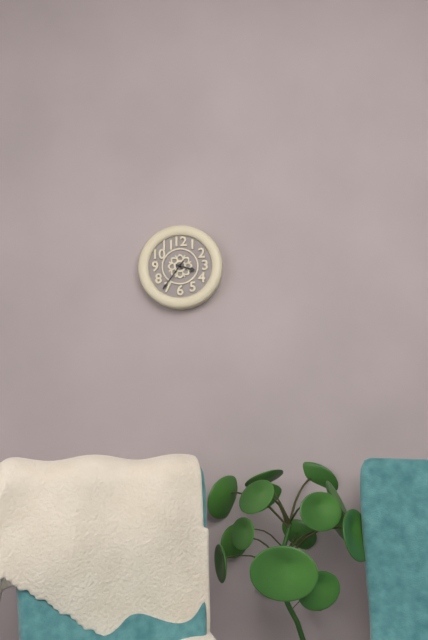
3:36
